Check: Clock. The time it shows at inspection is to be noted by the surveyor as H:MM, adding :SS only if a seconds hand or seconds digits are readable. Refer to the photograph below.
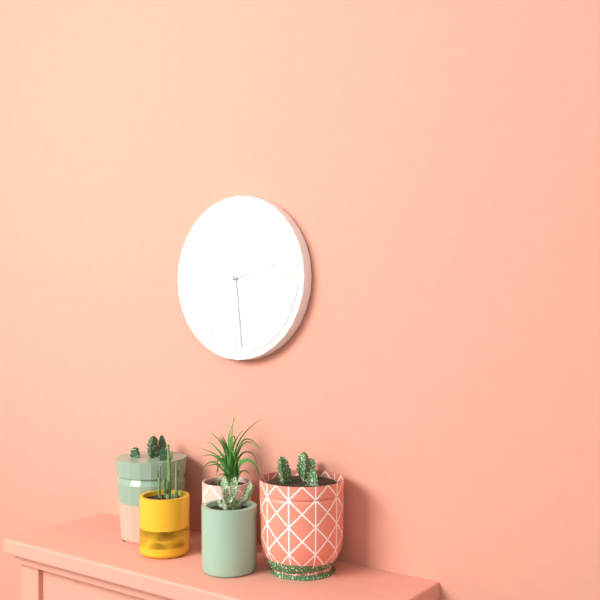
2:29
